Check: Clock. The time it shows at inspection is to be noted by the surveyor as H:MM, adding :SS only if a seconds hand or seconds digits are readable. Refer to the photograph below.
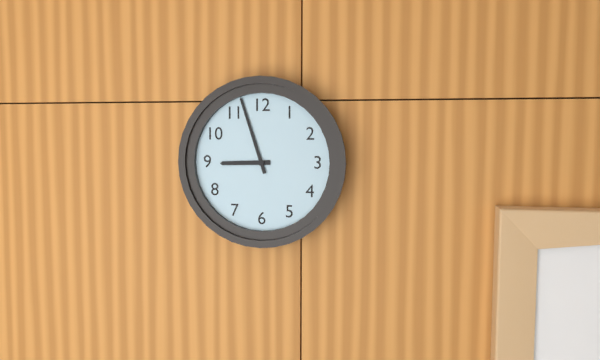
8:57
